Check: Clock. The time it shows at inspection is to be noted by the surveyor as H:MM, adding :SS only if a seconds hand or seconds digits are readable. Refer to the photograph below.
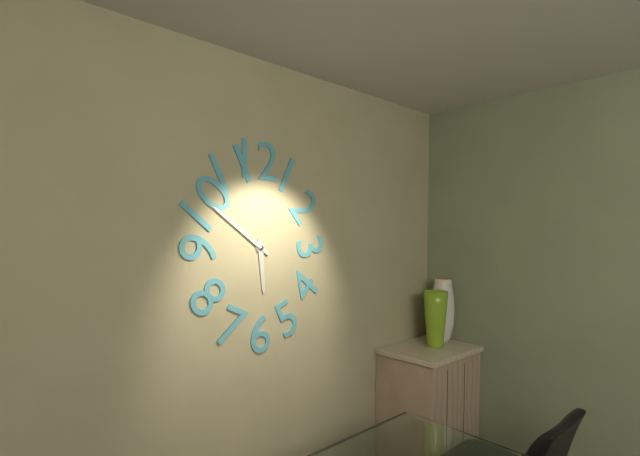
5:51
